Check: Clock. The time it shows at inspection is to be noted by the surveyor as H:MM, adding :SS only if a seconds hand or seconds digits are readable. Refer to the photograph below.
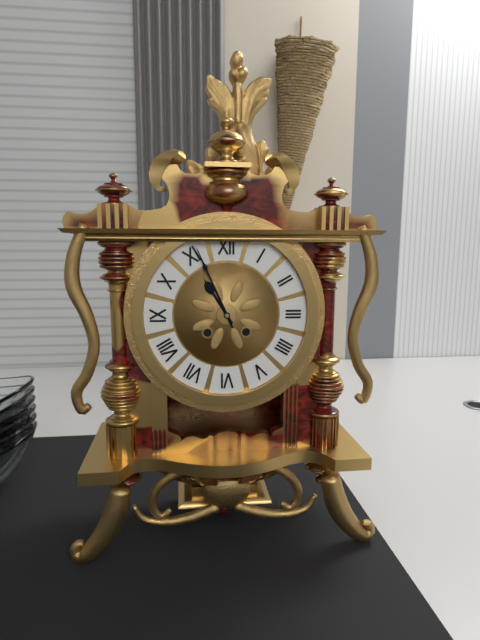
10:56
